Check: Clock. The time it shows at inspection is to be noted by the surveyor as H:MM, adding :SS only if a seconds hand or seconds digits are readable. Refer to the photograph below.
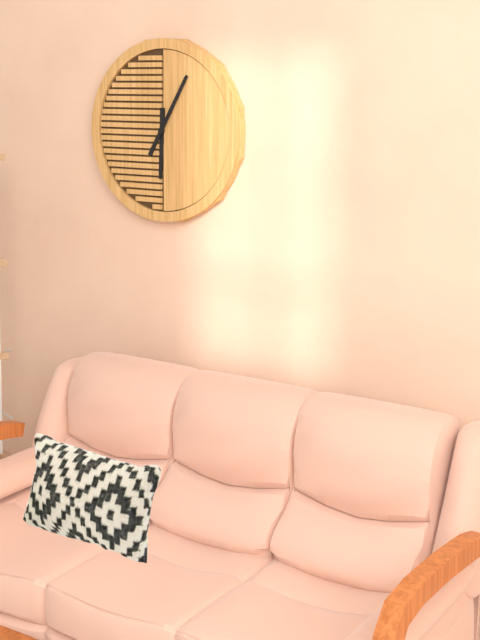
6:05
